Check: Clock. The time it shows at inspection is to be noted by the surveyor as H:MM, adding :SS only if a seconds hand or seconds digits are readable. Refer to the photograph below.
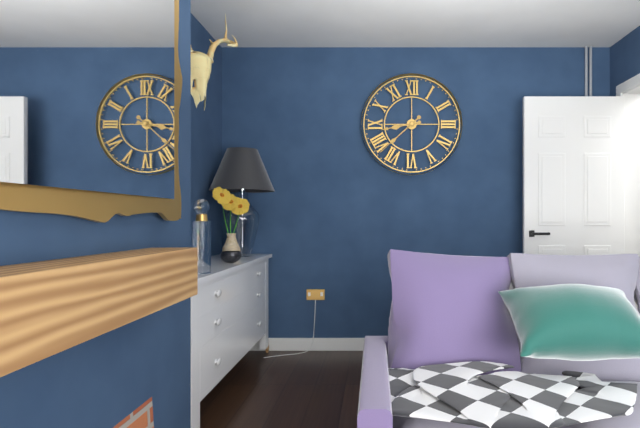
8:38
